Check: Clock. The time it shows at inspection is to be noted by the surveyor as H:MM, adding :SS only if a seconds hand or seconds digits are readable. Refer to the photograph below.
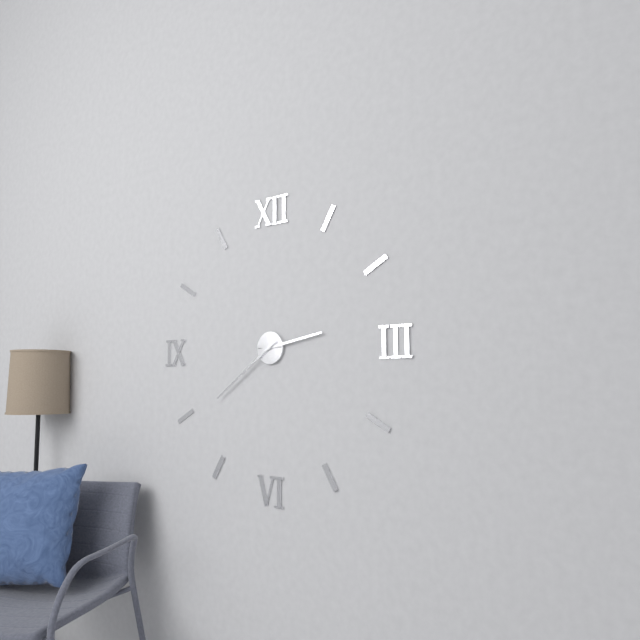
2:39
